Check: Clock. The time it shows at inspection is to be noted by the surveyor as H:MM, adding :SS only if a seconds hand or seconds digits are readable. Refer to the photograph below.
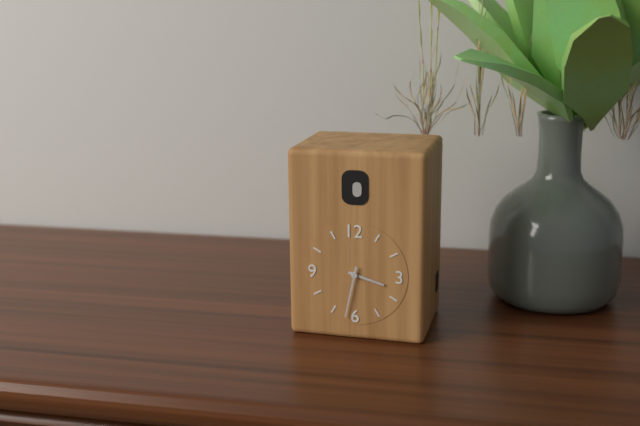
3:32
